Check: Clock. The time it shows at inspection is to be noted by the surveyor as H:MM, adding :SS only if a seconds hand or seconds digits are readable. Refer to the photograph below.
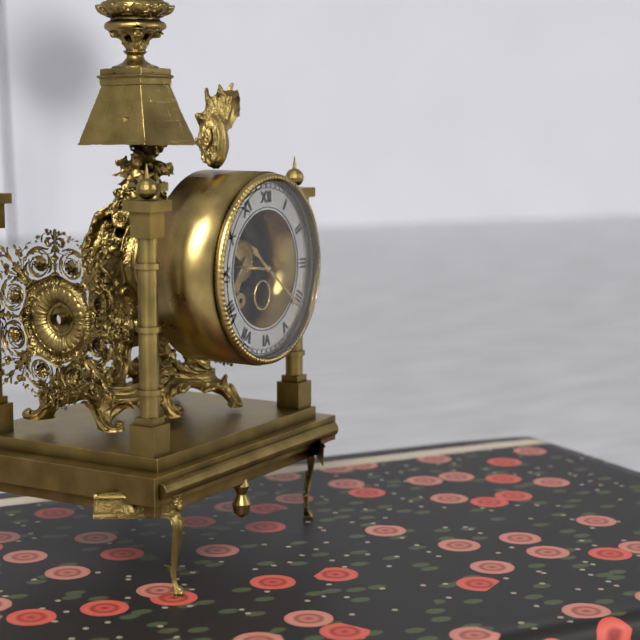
10:21
